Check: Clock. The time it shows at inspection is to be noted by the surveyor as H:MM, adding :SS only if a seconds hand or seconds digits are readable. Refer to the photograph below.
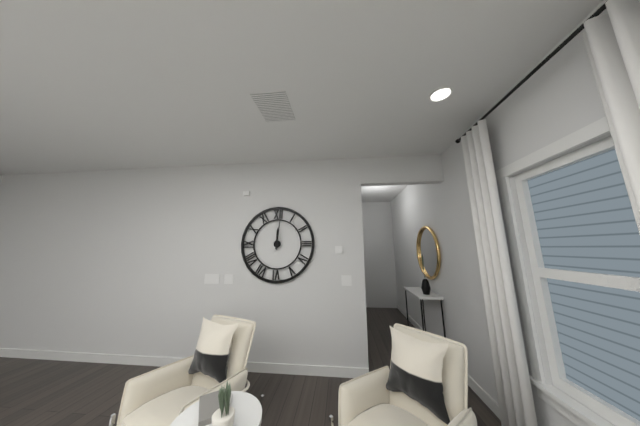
12:01
